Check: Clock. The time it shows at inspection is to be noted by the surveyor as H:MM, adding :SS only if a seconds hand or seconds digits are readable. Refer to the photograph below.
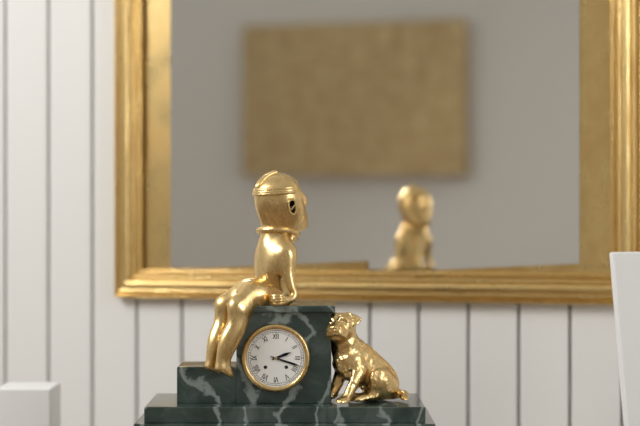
2:18
